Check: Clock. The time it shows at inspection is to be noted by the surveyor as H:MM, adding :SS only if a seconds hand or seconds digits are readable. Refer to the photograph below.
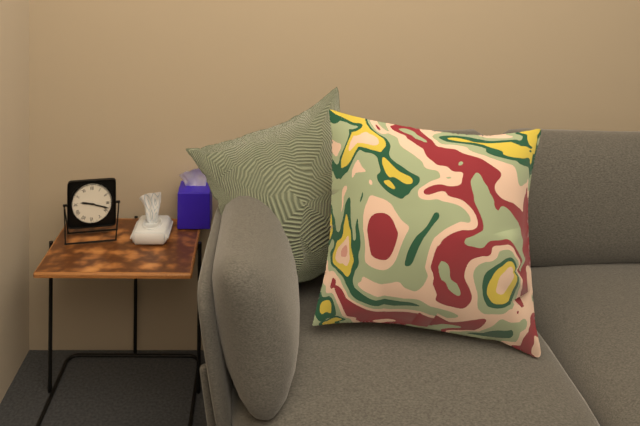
9:18
